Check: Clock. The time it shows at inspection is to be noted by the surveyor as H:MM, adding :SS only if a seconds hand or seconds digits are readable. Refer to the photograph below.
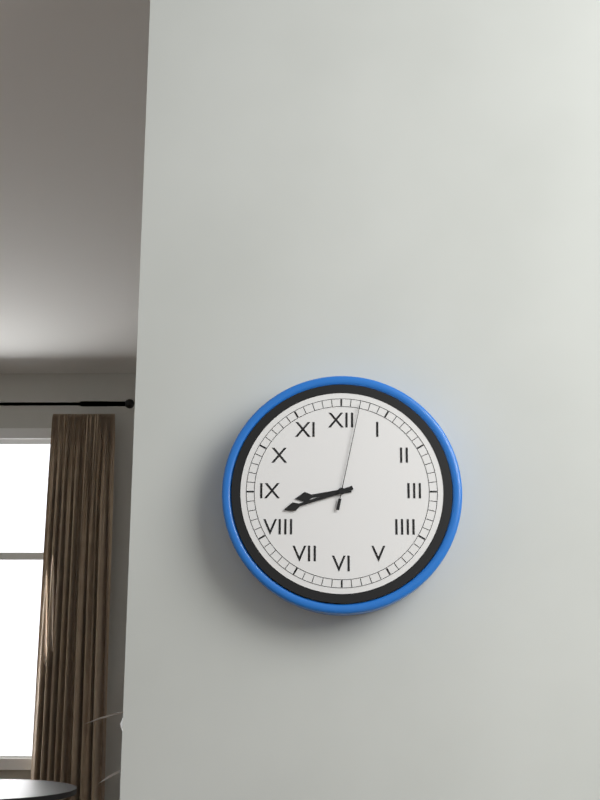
8:42:02
